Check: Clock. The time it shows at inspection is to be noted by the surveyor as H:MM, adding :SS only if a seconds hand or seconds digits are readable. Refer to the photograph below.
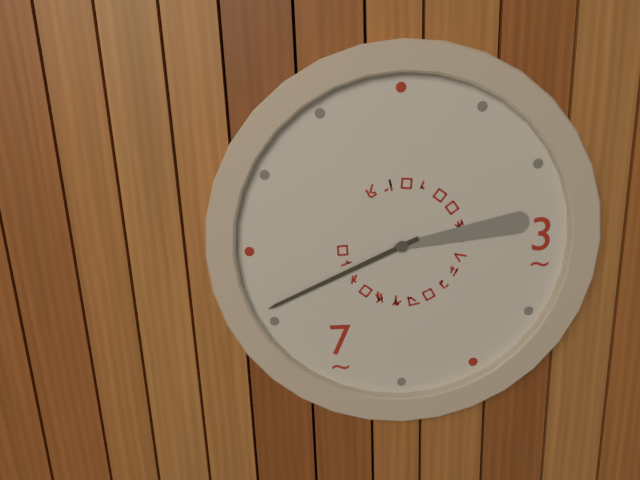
2:41
